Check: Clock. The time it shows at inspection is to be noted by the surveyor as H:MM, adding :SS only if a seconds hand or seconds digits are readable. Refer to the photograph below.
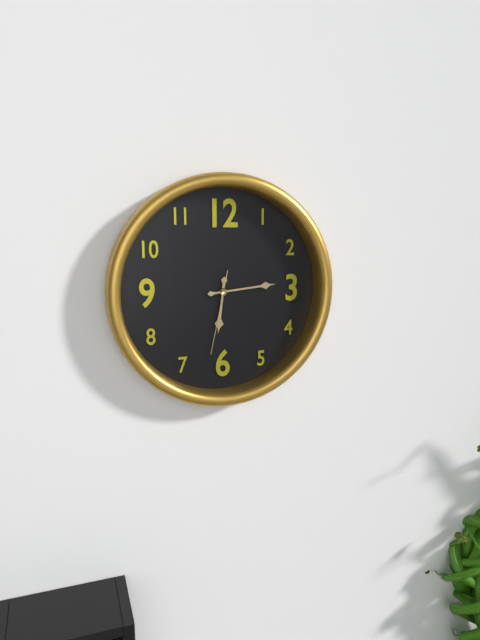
6:14:32
